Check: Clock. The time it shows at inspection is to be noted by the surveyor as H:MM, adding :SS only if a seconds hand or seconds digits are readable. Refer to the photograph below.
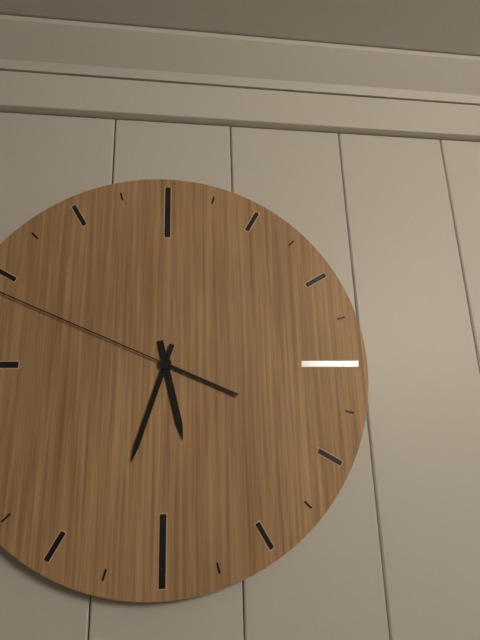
5:33
